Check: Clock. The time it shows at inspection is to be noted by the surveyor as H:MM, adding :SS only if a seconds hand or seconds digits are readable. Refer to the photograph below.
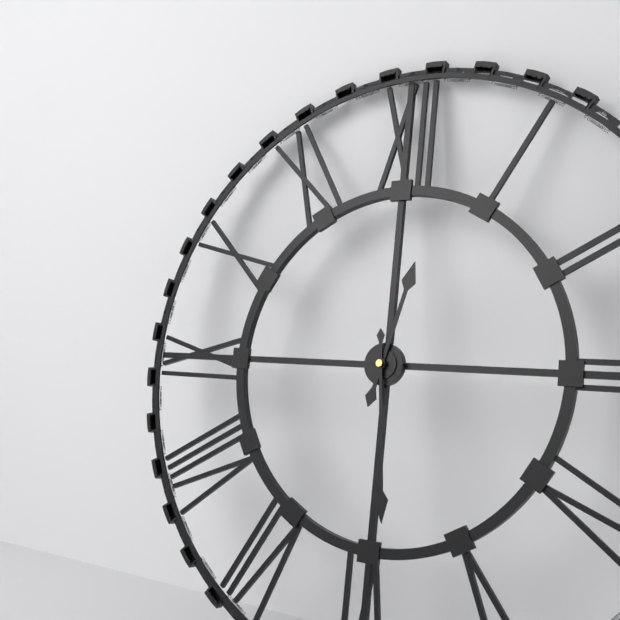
12:29
